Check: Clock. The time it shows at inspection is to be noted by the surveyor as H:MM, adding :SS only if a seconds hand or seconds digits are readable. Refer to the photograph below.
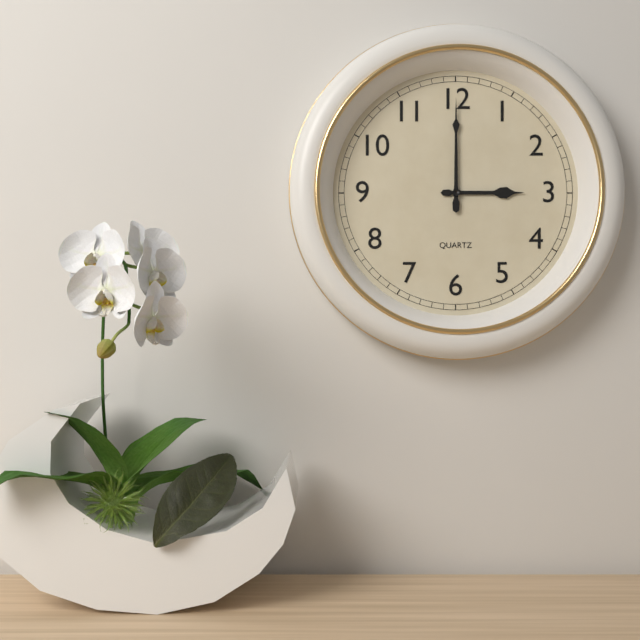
3:00
